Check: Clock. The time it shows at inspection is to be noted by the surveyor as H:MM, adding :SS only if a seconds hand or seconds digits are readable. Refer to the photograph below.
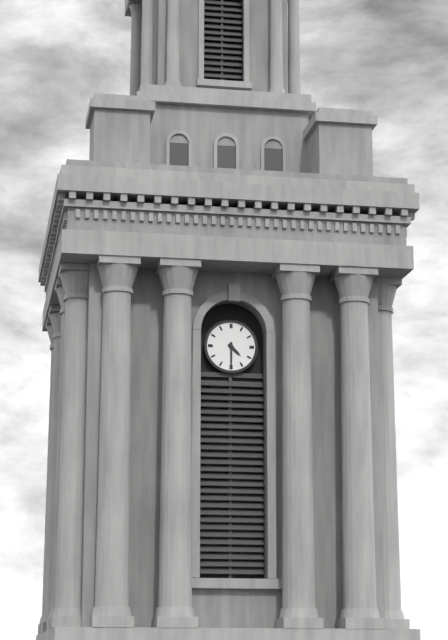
4:30
